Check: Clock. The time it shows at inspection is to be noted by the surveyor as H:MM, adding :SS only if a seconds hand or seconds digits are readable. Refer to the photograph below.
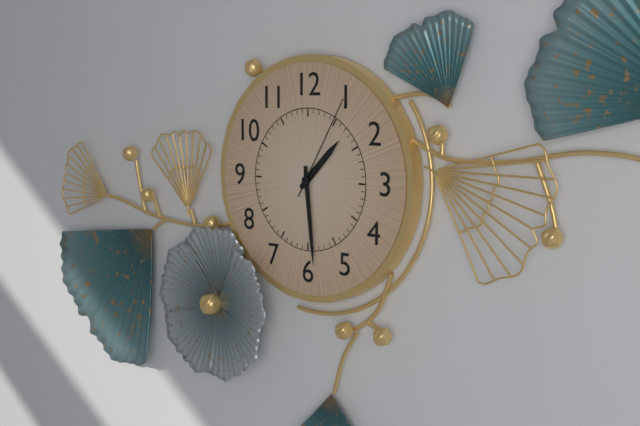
1:29:05
